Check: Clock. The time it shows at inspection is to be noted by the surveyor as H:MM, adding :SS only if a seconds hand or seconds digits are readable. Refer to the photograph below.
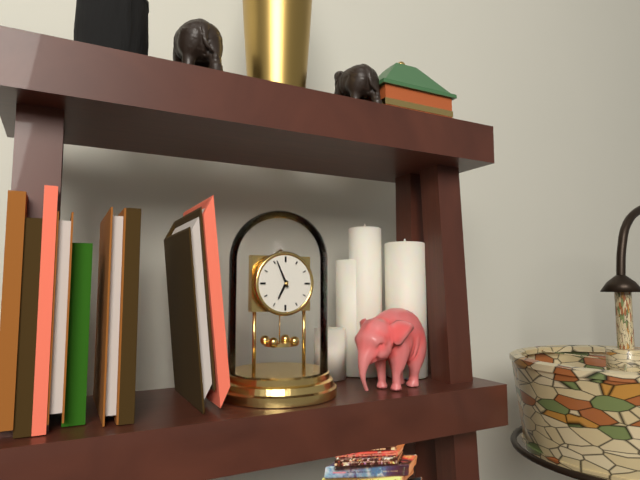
6:56
